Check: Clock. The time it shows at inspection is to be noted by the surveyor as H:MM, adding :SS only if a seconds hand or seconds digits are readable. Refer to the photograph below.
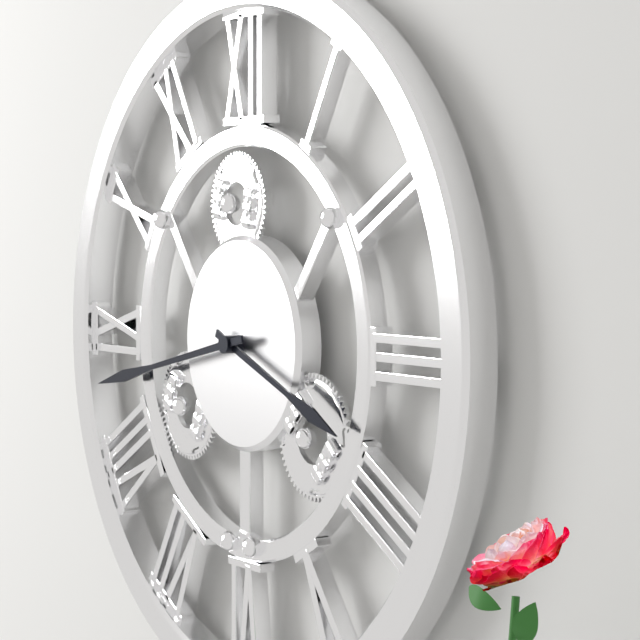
3:43
